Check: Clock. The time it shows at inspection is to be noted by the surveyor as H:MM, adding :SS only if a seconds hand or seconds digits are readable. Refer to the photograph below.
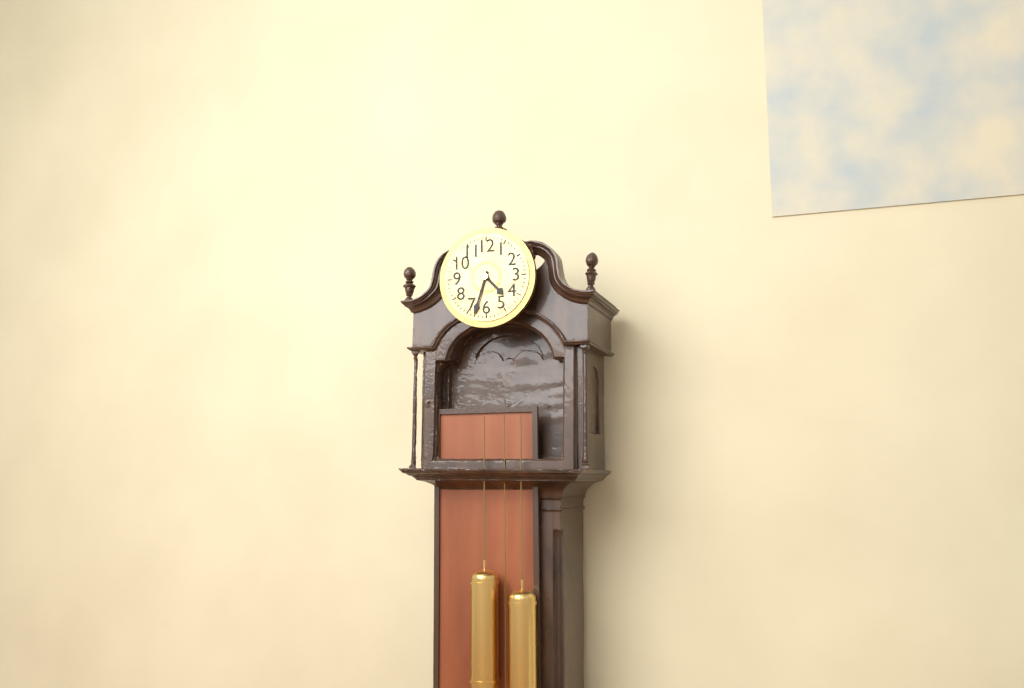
4:33
